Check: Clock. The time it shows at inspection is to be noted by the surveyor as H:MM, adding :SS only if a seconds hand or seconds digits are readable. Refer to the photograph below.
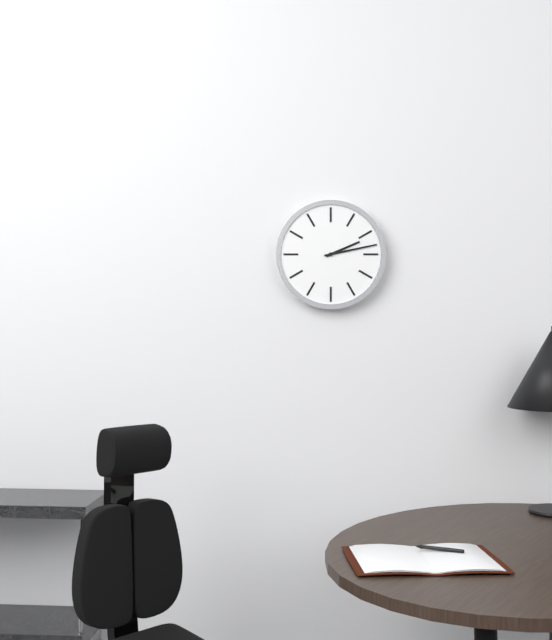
2:13
